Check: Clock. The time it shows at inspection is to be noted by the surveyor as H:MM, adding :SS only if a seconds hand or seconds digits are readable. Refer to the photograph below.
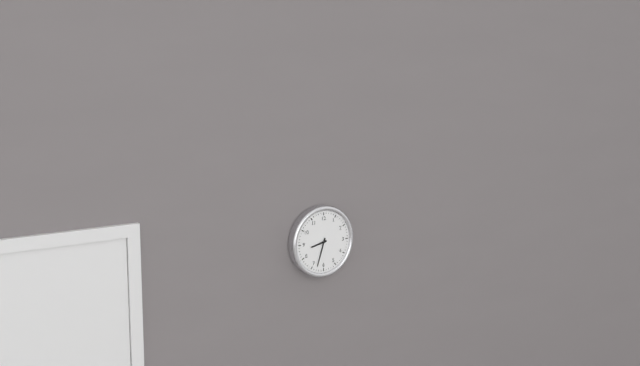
8:33
